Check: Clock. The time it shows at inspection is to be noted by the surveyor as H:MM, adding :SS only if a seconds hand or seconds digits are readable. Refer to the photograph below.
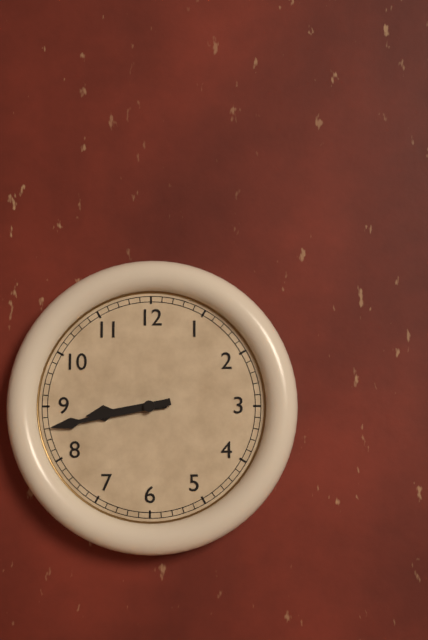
8:43
